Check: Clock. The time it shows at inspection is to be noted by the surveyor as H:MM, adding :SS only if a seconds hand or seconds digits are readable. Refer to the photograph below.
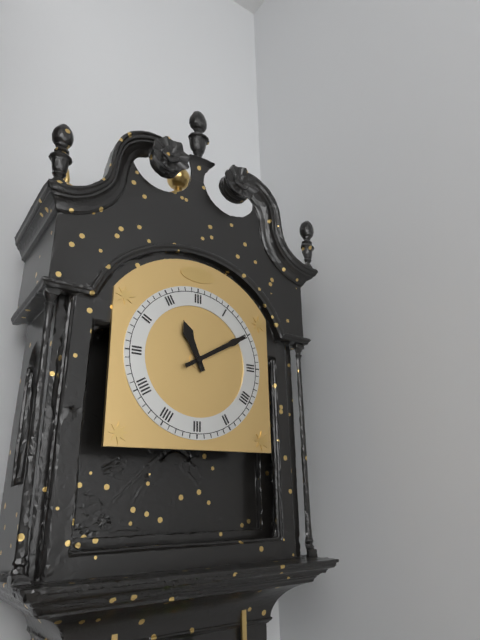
11:10
